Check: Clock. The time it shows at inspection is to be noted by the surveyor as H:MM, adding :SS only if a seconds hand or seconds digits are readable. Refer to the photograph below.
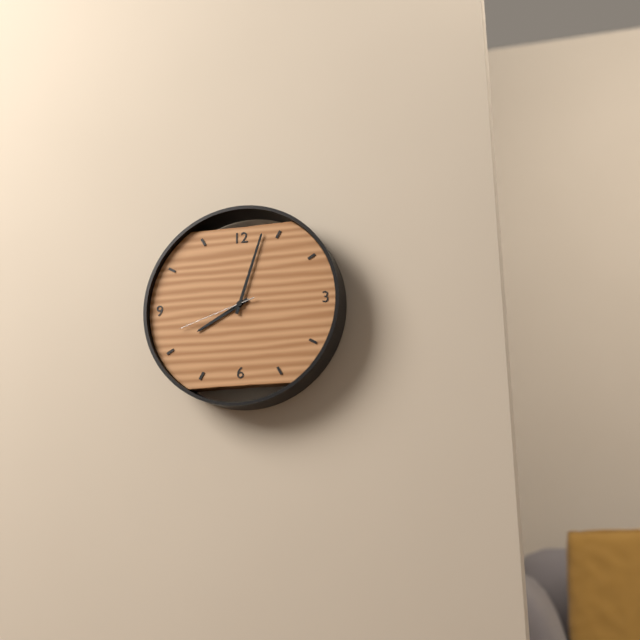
8:03:42
